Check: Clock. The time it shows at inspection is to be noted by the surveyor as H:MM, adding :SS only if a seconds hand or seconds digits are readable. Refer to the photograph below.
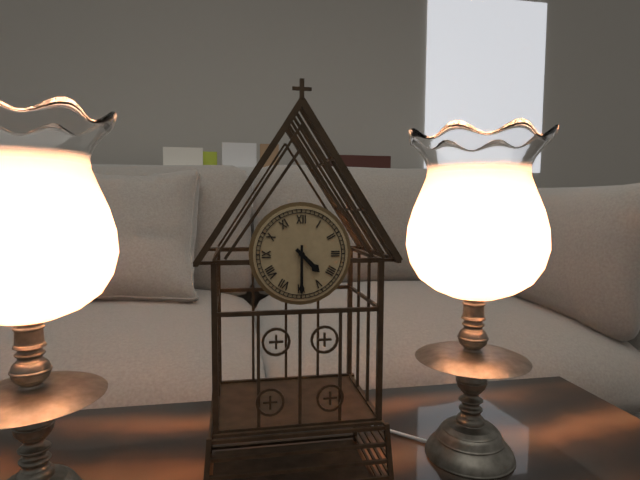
4:30
